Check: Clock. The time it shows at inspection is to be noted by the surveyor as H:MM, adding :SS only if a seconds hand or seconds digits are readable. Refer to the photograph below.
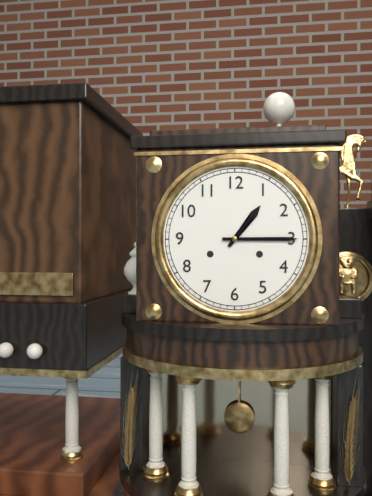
1:15
